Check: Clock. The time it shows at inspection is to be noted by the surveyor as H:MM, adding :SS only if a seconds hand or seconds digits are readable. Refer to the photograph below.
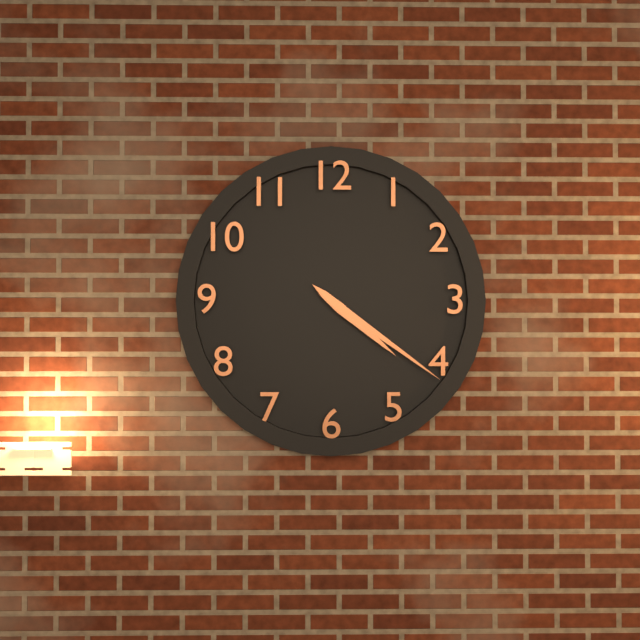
4:21
